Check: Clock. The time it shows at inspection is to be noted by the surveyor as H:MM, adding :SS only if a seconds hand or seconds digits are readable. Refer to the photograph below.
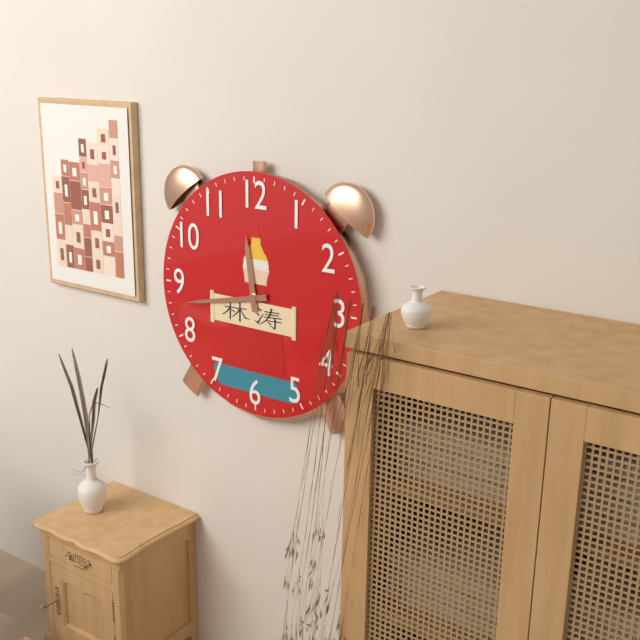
11:43
